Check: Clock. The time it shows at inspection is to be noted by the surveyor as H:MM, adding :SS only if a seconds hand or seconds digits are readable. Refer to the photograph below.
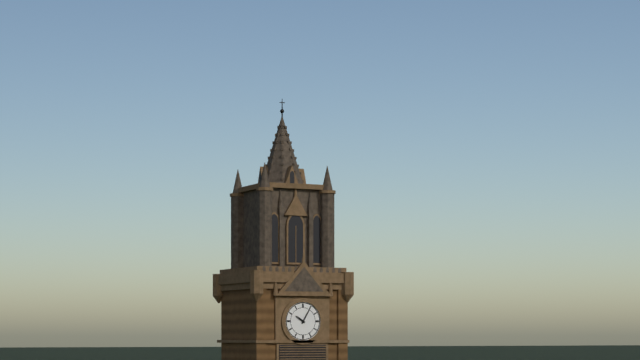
10:05
